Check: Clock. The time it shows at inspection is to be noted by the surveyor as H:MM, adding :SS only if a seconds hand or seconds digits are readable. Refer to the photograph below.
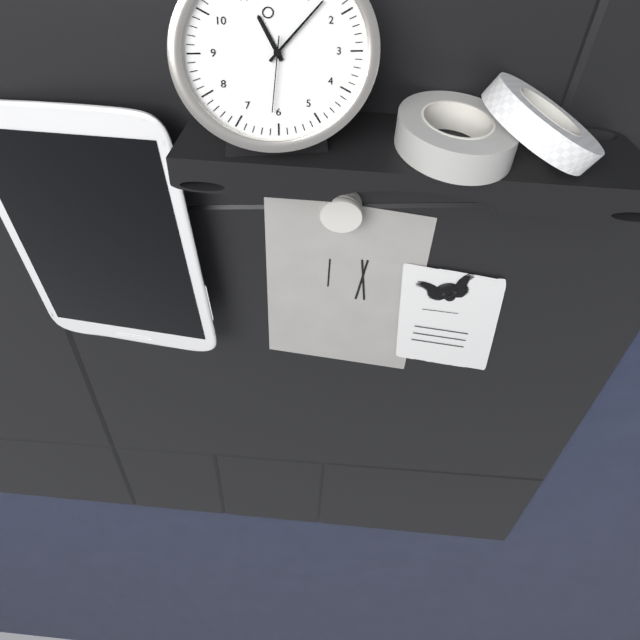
11:07:31
